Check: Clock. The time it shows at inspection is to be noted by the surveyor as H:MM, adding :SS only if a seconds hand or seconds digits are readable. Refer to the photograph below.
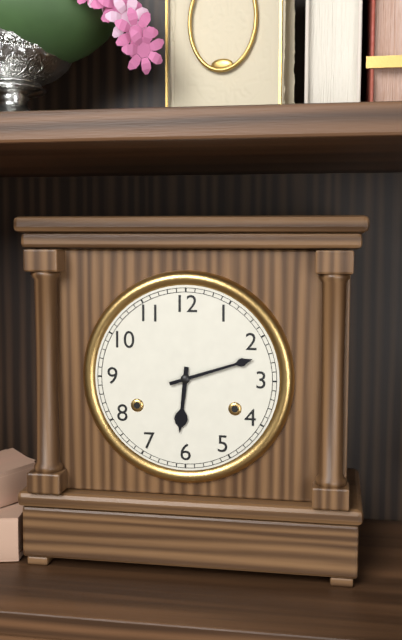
6:12
